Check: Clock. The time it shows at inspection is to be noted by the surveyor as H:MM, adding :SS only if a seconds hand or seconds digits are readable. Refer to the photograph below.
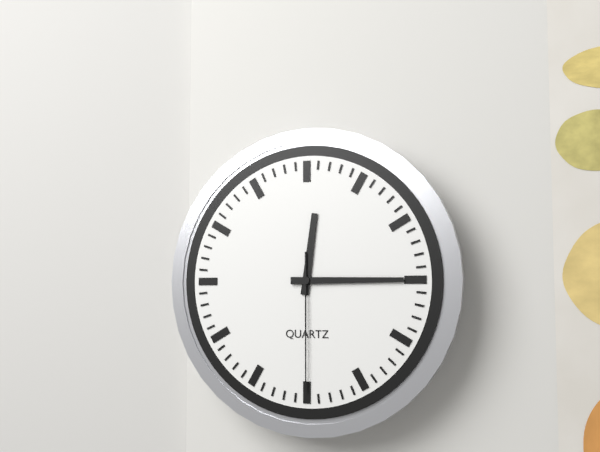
12:15:30
